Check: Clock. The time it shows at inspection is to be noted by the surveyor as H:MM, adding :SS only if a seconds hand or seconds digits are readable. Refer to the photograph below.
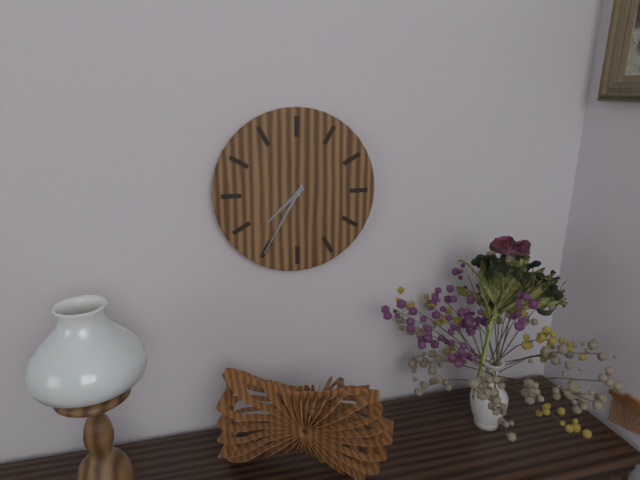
7:35
